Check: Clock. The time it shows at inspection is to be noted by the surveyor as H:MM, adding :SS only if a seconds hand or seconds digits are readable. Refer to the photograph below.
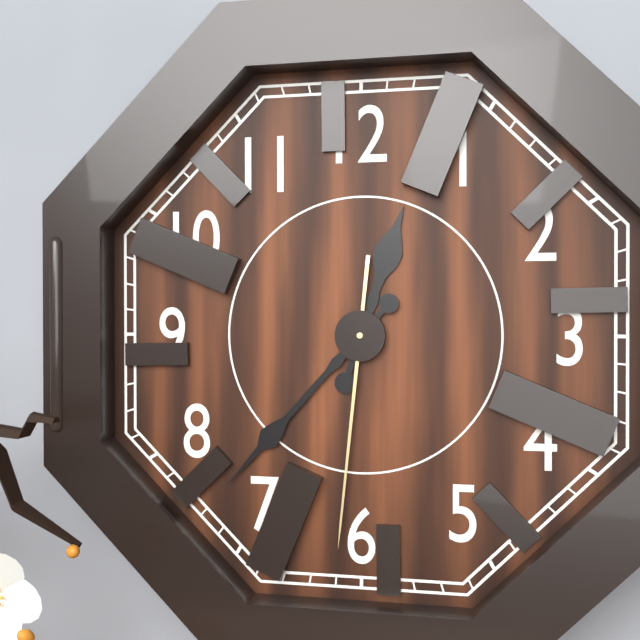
12:37:31
